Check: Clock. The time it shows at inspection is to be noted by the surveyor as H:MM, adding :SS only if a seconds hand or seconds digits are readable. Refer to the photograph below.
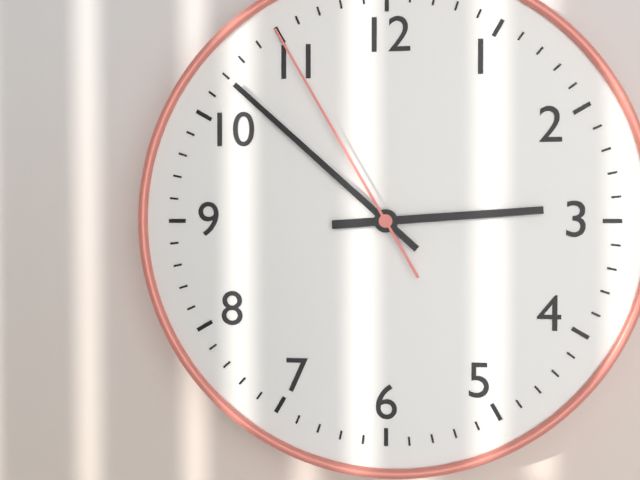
2:52:55
